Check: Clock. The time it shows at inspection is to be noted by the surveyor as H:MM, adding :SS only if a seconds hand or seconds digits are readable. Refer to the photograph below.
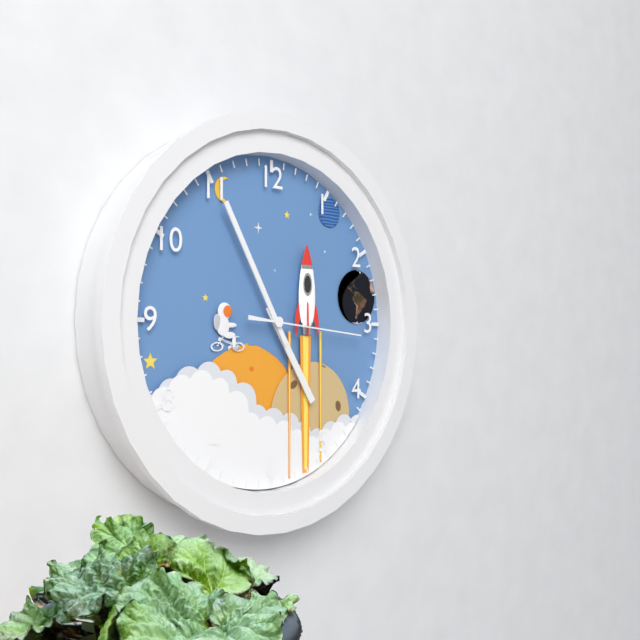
4:55:16
